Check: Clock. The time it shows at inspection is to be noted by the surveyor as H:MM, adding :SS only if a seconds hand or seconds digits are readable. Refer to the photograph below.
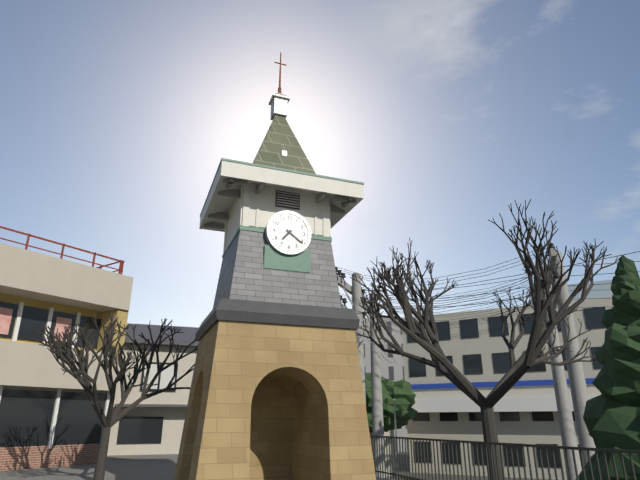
7:21
